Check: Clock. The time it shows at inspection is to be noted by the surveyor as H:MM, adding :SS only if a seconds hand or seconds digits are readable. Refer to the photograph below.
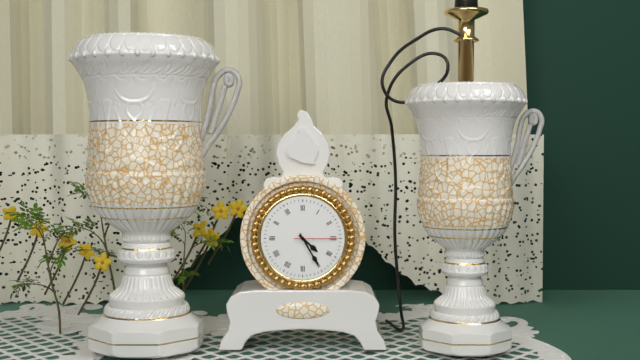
4:25
